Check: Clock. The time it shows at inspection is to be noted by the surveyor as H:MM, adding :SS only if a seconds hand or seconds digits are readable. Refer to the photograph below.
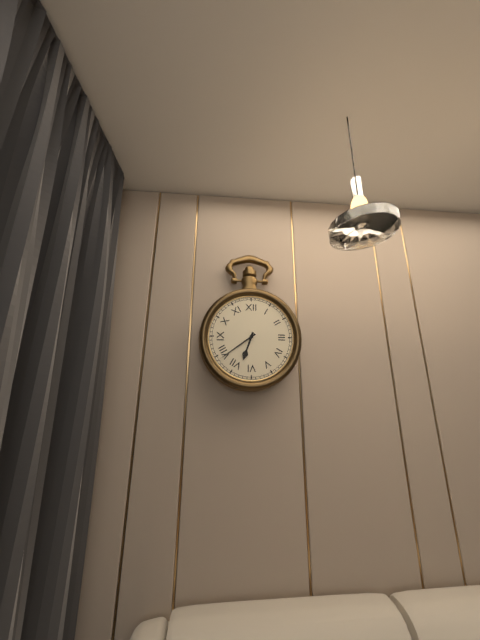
6:39
